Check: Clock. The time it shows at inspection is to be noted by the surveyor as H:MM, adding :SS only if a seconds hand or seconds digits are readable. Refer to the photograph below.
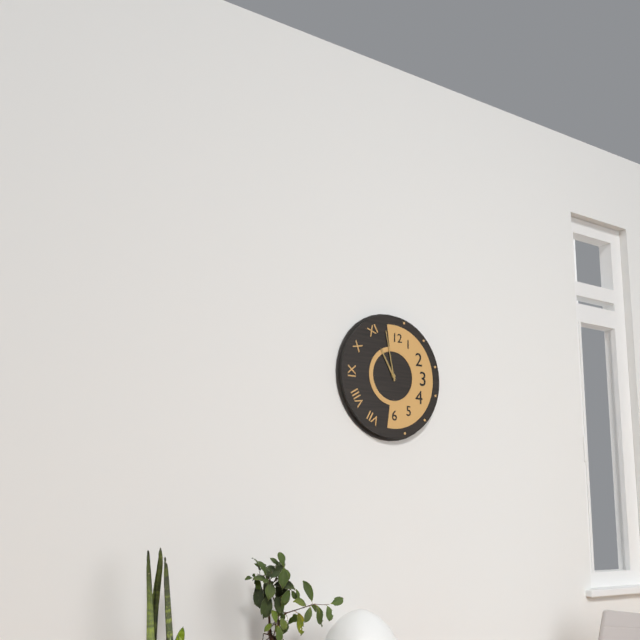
10:58
